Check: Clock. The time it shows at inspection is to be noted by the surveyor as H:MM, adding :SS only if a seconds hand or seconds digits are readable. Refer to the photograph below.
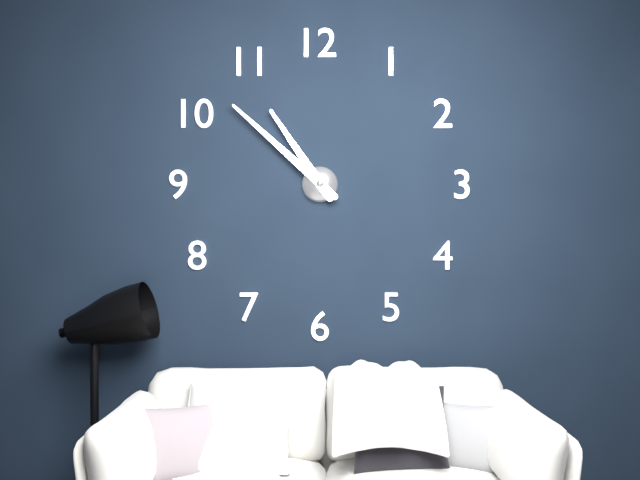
10:52
